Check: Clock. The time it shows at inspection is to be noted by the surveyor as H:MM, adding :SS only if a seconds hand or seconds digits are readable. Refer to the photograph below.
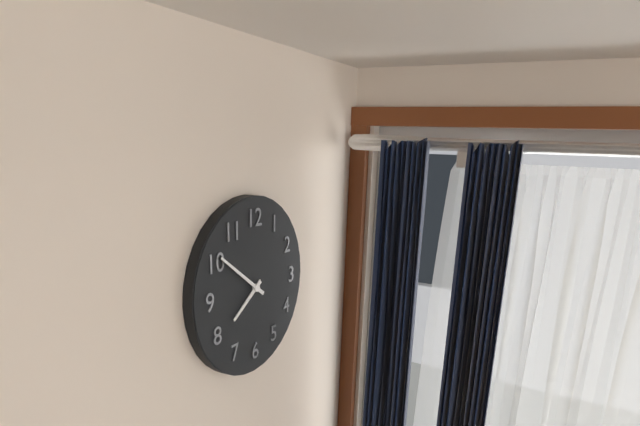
7:51
